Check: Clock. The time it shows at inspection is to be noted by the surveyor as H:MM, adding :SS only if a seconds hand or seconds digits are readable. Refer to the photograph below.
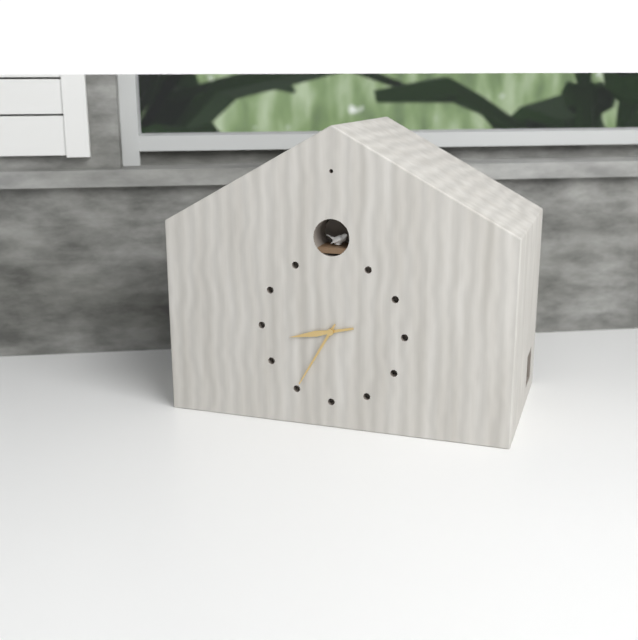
8:35
